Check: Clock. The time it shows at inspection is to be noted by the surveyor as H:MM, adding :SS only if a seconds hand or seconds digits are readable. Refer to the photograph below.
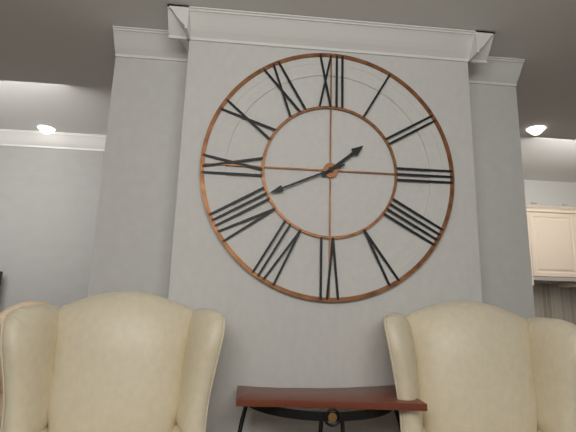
1:41
